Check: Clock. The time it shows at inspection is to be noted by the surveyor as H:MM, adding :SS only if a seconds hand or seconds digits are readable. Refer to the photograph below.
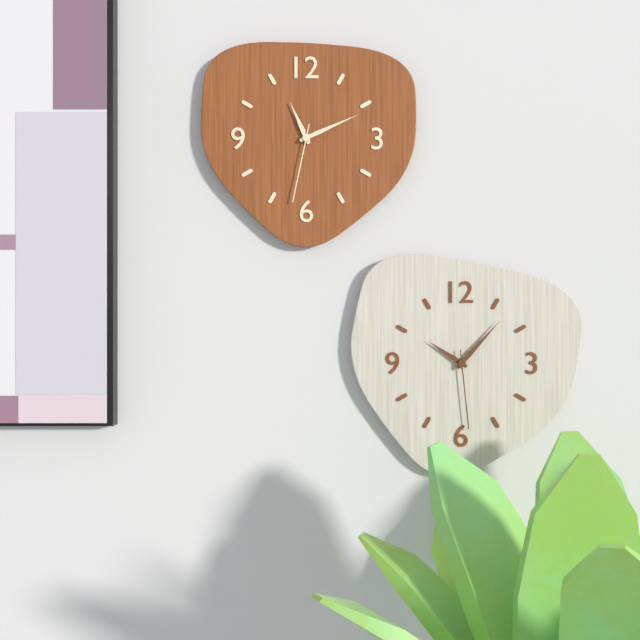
11:11:32
